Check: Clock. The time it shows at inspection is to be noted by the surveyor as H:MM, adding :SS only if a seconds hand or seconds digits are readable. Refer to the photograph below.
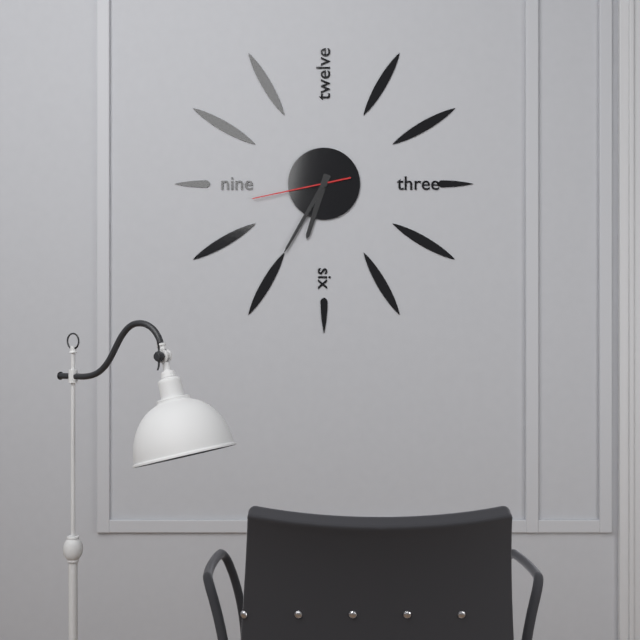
6:35:43
